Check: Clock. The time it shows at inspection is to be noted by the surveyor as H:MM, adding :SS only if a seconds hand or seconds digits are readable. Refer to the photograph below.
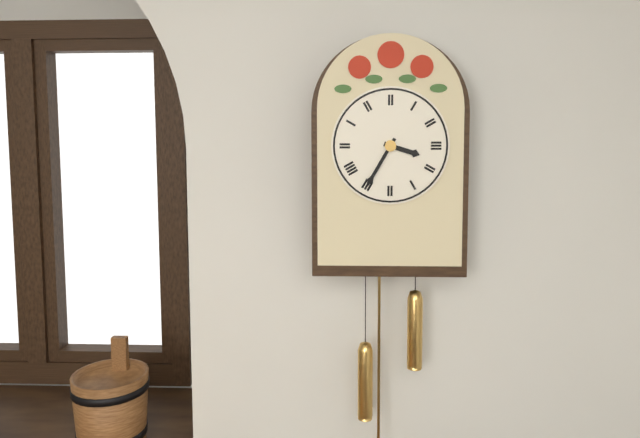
3:35
